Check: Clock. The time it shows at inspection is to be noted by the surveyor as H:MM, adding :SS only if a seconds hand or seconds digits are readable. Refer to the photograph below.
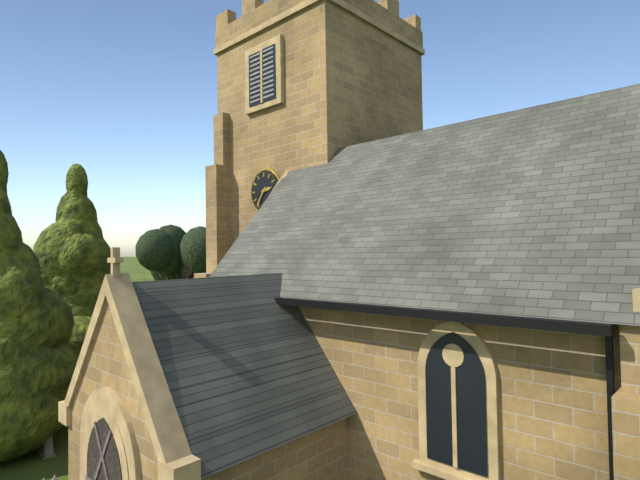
2:36
